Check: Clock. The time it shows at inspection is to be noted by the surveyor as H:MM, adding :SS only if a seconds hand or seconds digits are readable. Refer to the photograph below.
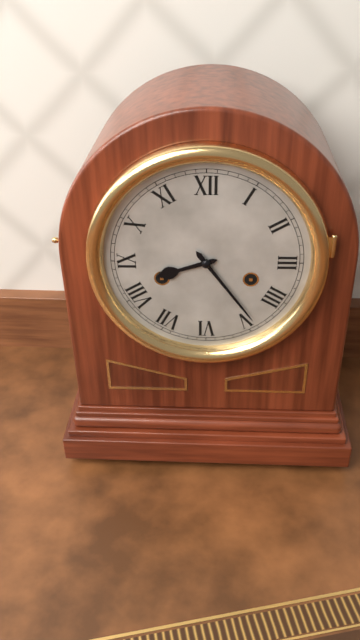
8:24
